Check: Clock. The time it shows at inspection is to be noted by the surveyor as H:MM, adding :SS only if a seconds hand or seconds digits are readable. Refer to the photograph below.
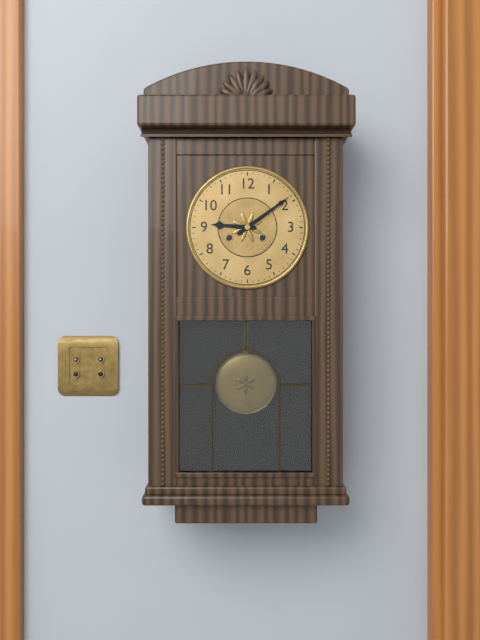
9:09
